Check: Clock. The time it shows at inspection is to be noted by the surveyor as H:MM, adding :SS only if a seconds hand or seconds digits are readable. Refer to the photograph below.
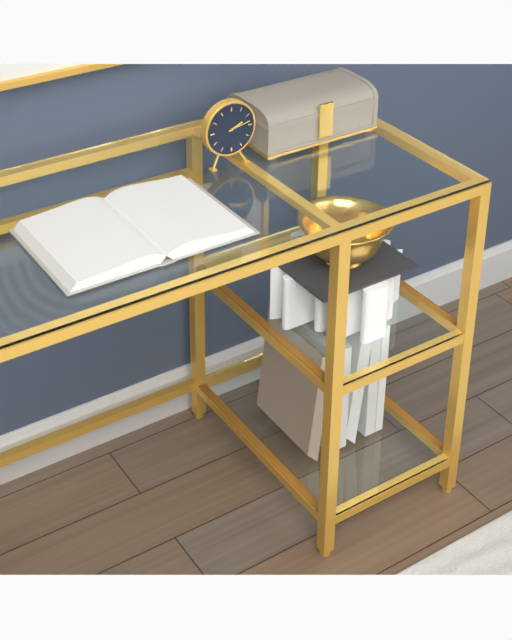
2:13
